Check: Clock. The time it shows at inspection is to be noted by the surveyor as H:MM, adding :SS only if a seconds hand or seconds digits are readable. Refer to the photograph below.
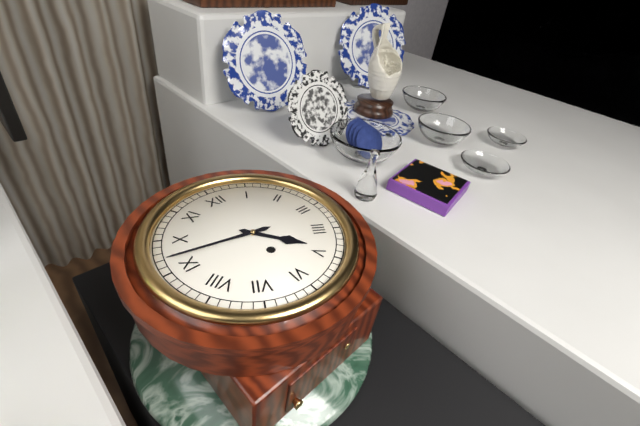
4:47
